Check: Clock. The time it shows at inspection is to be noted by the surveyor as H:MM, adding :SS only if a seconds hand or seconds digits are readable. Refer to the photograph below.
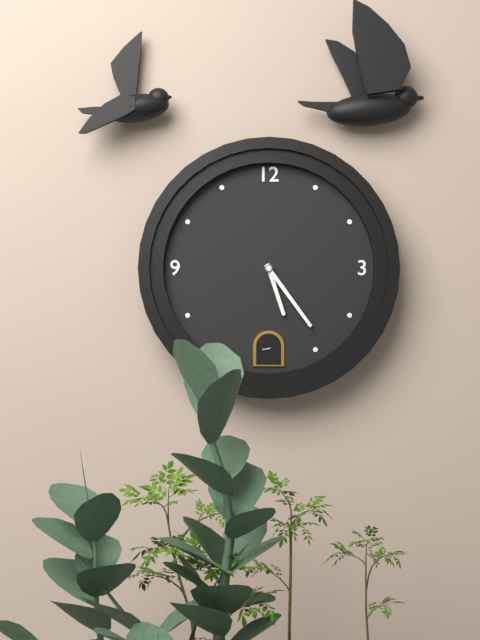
5:24
